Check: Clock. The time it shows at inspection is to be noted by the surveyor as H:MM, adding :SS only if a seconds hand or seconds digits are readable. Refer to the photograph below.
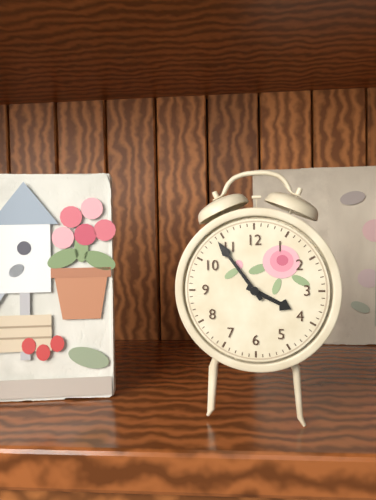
3:54
